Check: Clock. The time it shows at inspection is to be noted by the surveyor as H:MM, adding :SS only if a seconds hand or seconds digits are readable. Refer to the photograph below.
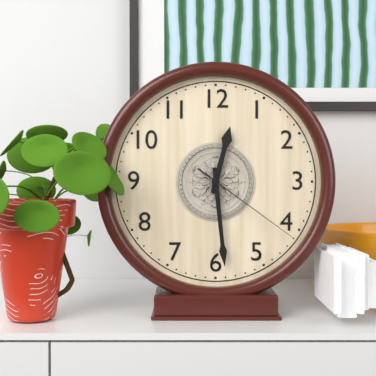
12:29:21
